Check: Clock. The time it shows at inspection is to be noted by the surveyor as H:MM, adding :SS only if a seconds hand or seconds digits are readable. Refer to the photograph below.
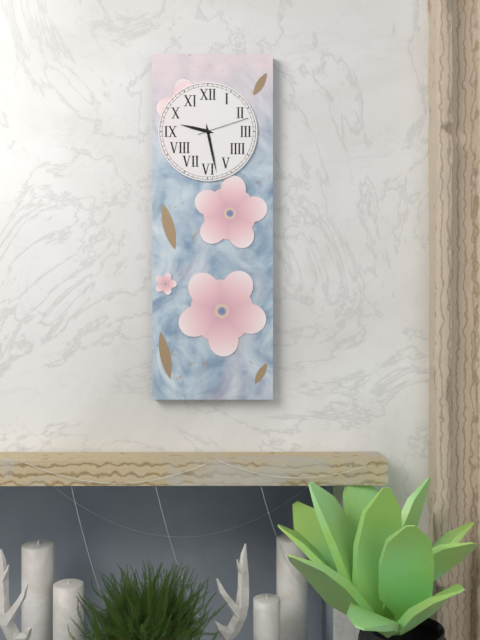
9:28:12
